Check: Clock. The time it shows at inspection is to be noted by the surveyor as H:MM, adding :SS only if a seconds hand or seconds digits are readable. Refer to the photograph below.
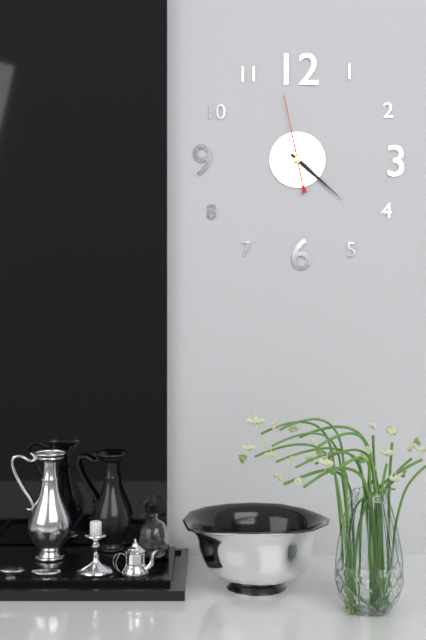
4:22:58
